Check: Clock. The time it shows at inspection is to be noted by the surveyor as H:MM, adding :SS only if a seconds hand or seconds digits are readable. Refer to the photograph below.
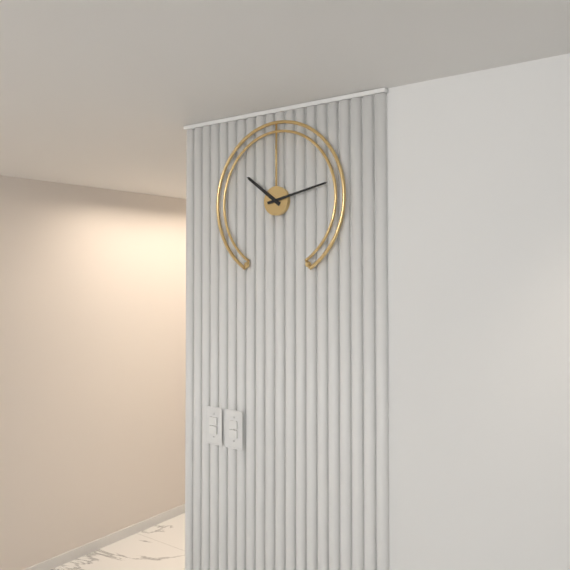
10:13
